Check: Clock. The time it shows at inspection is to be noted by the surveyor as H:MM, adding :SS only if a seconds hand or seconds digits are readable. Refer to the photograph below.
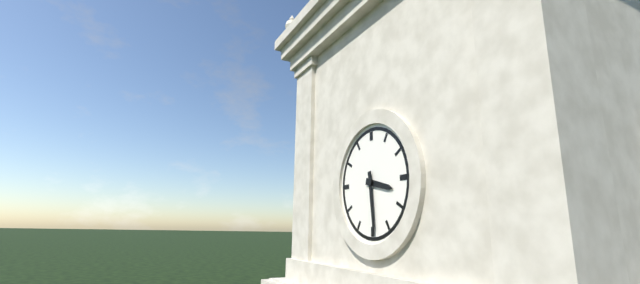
3:29
